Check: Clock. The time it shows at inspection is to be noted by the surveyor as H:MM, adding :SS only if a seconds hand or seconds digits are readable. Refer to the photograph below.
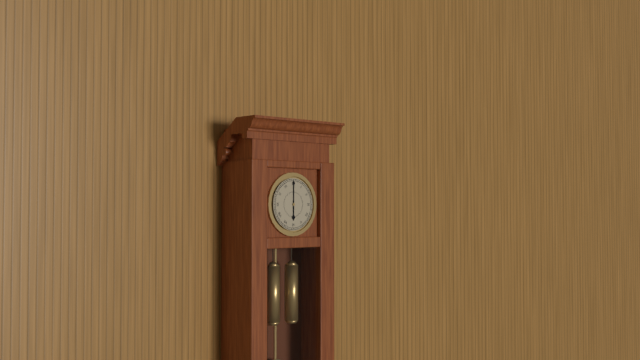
6:00
